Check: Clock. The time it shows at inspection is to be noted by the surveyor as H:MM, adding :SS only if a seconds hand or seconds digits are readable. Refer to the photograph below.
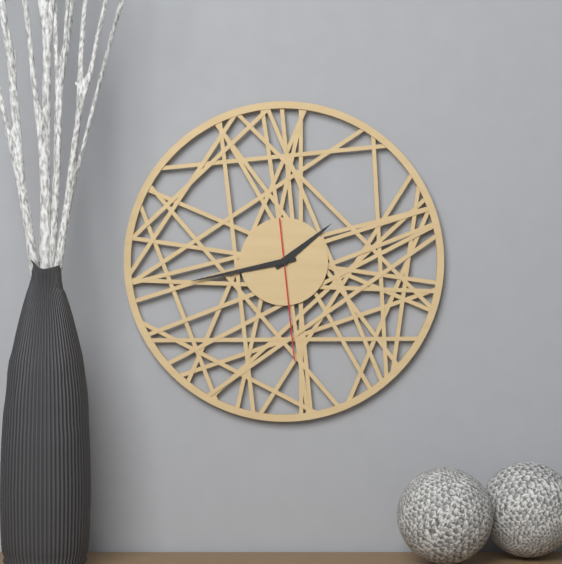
1:43:29
